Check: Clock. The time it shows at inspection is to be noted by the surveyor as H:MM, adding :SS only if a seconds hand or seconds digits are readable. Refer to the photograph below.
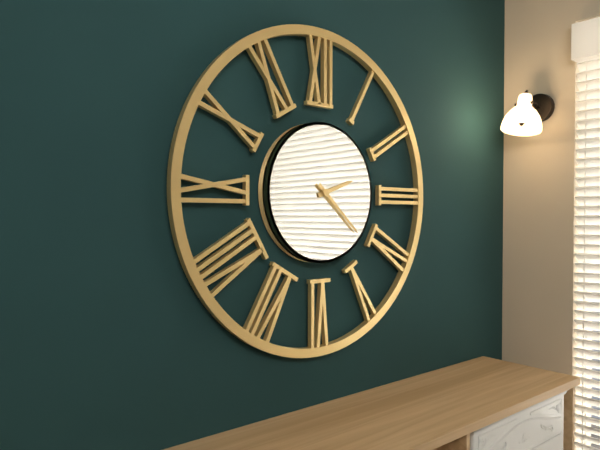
2:22
